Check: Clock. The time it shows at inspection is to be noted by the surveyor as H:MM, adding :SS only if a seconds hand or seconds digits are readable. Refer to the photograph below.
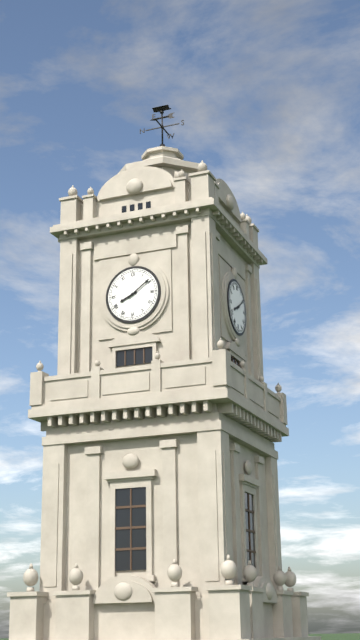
8:09
